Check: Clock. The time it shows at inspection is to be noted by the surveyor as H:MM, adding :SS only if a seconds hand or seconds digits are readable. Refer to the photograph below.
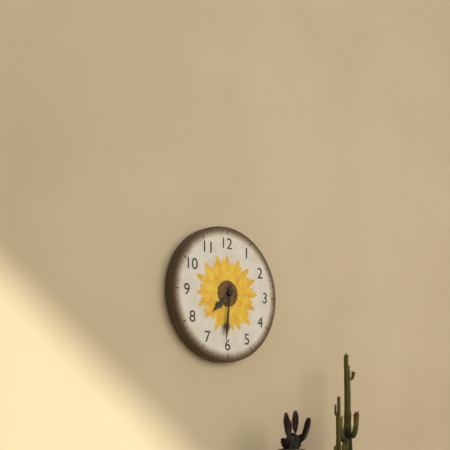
7:31
